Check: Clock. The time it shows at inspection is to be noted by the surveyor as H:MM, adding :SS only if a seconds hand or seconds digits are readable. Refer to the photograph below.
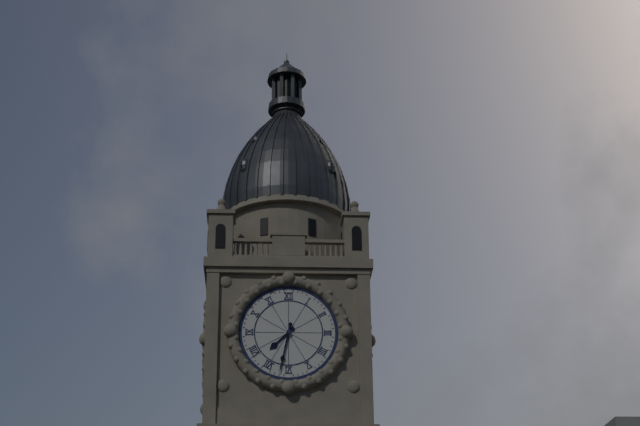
7:32
